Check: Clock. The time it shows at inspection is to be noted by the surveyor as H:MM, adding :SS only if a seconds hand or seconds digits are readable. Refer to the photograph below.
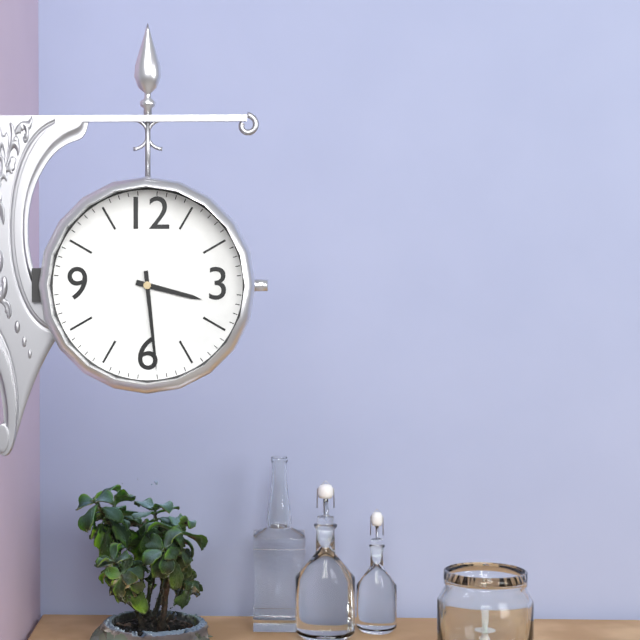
3:29
